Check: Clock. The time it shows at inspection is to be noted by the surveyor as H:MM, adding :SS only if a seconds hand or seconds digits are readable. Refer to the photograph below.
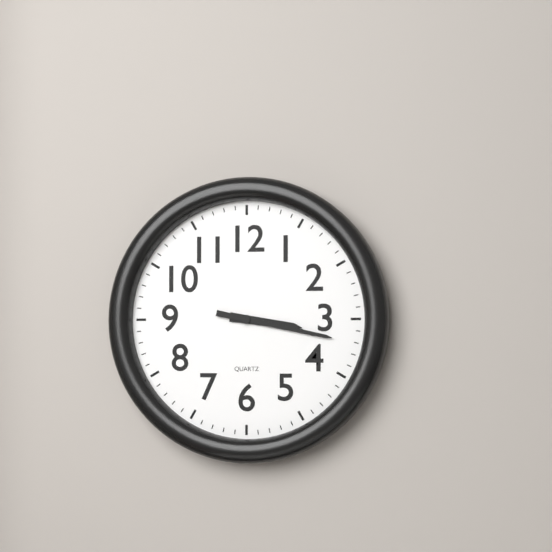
3:17
